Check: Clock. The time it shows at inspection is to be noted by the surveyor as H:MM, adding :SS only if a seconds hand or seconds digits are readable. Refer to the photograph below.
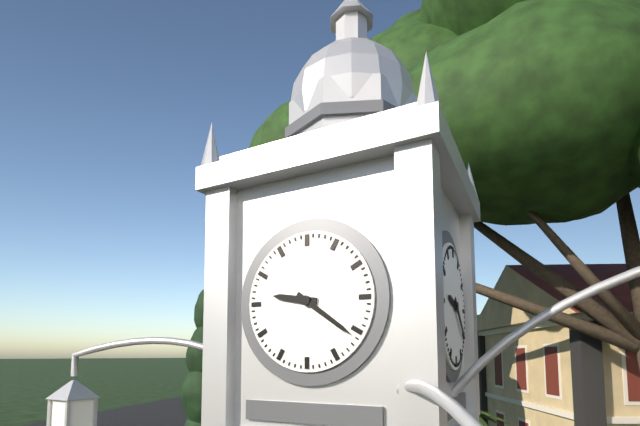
9:21
